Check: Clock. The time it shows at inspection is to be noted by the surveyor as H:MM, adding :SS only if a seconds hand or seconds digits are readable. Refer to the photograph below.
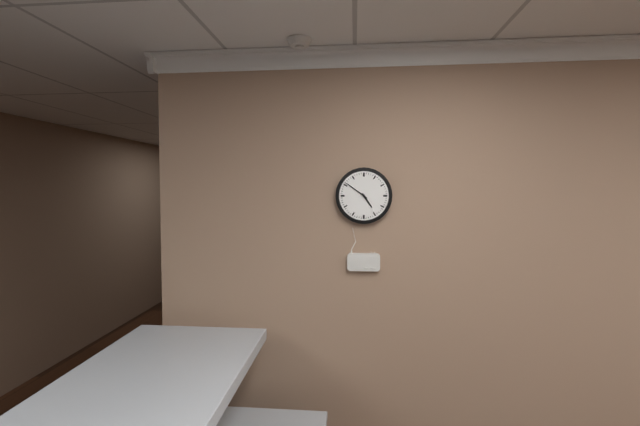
4:51
